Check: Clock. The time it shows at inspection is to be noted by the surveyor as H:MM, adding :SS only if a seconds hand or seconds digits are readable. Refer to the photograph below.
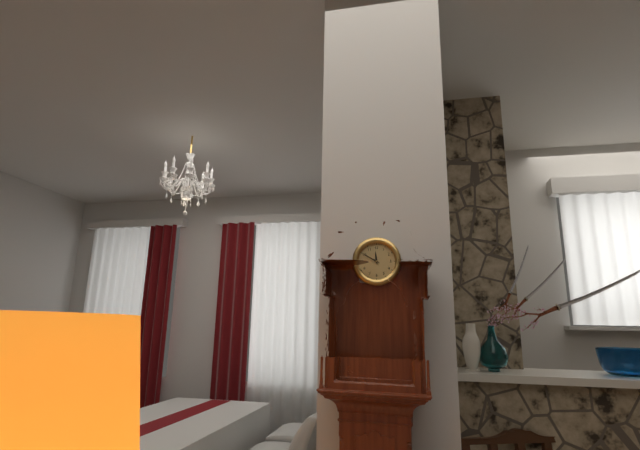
11:50
